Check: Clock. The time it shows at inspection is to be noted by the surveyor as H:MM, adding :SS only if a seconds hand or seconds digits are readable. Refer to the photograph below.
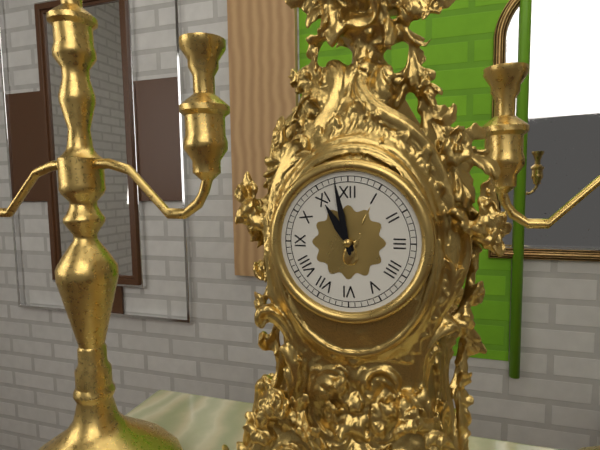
10:58
